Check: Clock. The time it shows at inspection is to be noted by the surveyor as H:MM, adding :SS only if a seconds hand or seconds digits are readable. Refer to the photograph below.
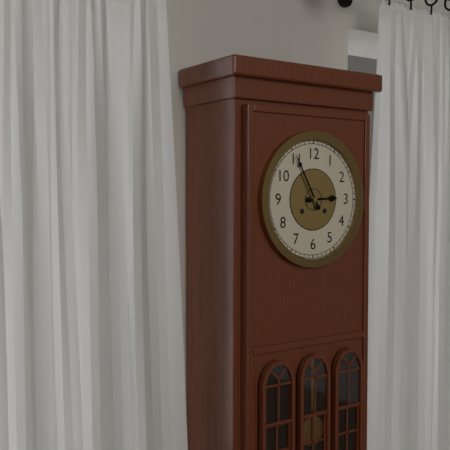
2:55
